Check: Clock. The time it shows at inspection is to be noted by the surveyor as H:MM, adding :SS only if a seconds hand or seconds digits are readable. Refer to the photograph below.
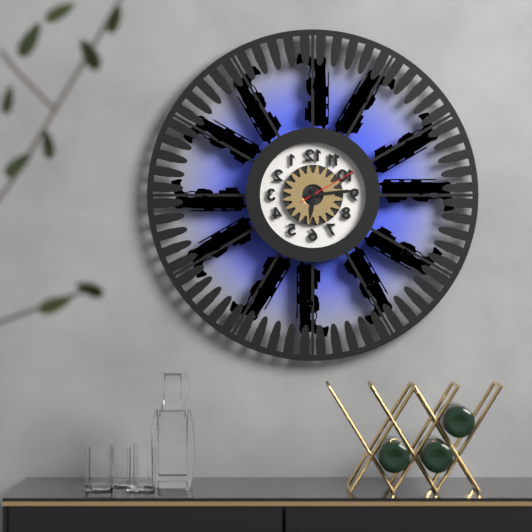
6:14:10
